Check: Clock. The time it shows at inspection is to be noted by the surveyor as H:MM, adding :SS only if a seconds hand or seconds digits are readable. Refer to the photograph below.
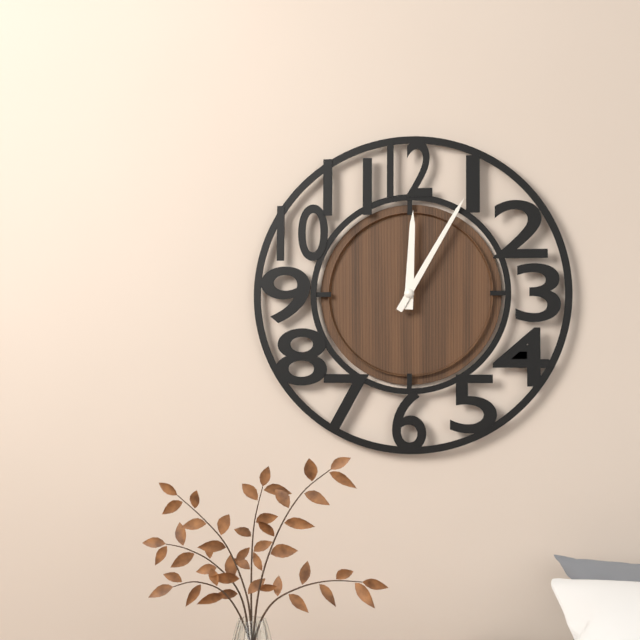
12:05
